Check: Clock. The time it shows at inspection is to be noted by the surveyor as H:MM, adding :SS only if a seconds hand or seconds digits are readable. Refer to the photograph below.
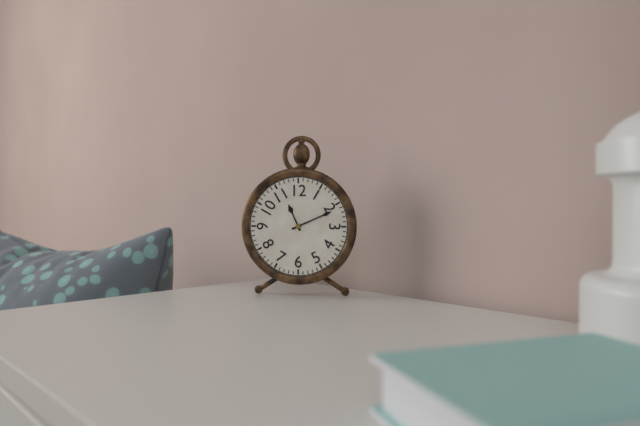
11:11
